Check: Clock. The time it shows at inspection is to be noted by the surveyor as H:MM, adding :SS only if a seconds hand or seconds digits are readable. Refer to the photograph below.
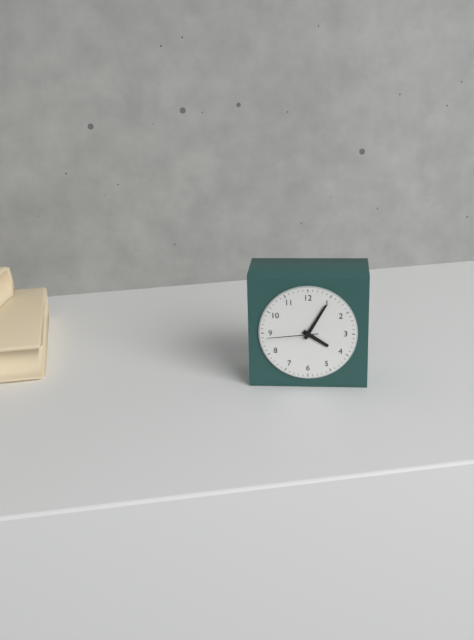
4:05:44
